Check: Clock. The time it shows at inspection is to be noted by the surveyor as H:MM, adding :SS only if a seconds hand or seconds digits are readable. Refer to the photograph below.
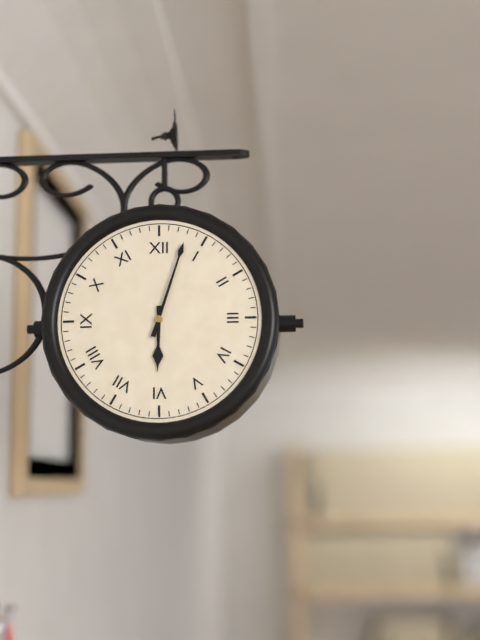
6:03
